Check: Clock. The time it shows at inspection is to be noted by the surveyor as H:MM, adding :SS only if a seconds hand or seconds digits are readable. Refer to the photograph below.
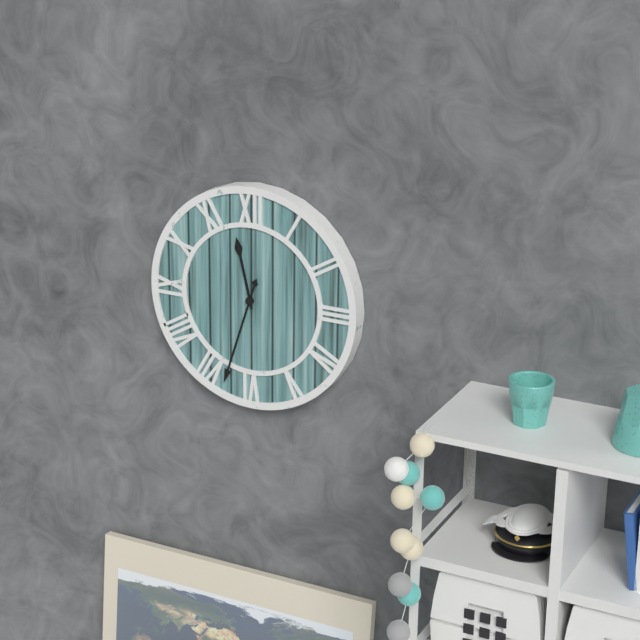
11:33
